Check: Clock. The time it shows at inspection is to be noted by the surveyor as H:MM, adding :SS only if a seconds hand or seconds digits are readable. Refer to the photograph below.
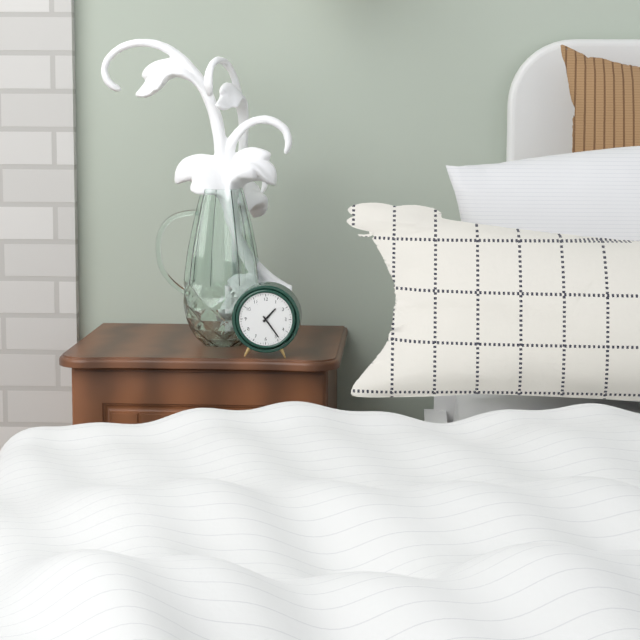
1:24
